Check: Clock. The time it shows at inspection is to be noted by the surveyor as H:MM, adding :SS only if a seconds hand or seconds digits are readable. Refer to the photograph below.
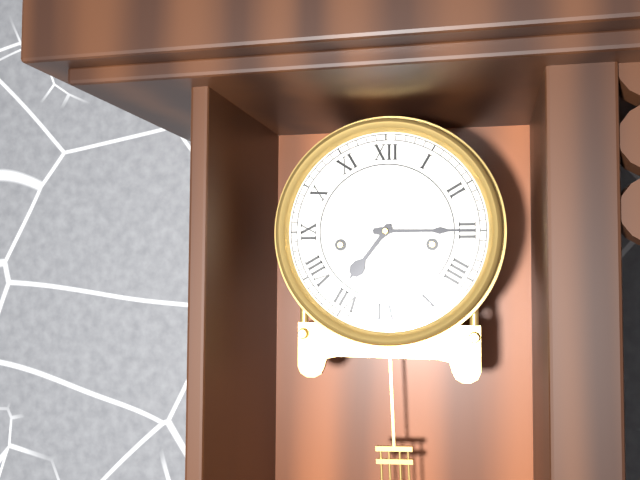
7:15
